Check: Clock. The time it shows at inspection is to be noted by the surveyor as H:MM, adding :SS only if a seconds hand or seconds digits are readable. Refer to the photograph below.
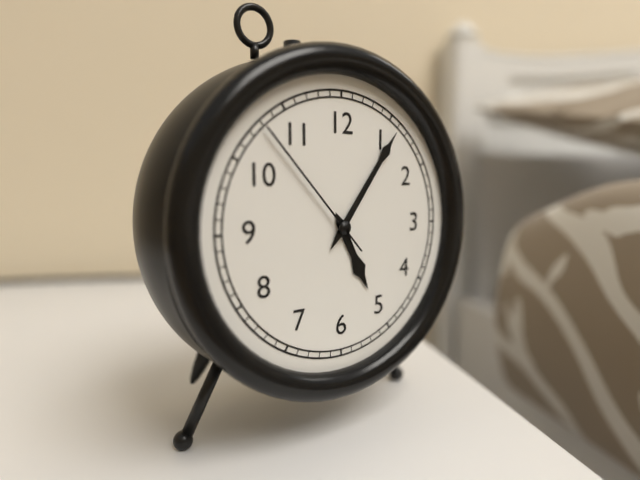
5:06:53
